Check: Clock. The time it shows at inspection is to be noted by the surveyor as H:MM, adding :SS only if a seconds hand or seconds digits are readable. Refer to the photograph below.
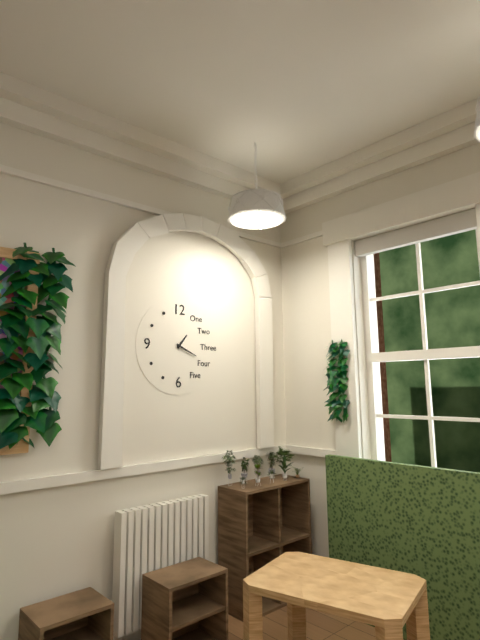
1:19
